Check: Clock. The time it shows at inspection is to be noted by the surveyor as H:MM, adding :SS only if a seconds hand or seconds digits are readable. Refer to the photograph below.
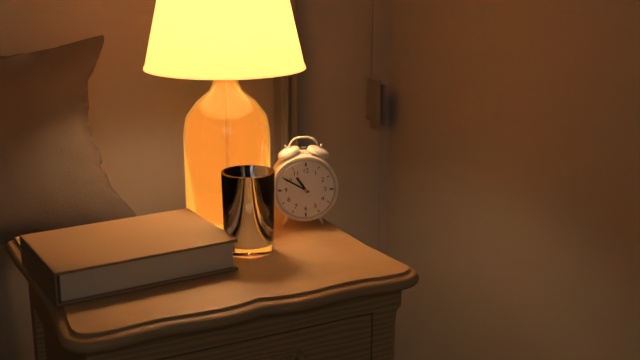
10:50
